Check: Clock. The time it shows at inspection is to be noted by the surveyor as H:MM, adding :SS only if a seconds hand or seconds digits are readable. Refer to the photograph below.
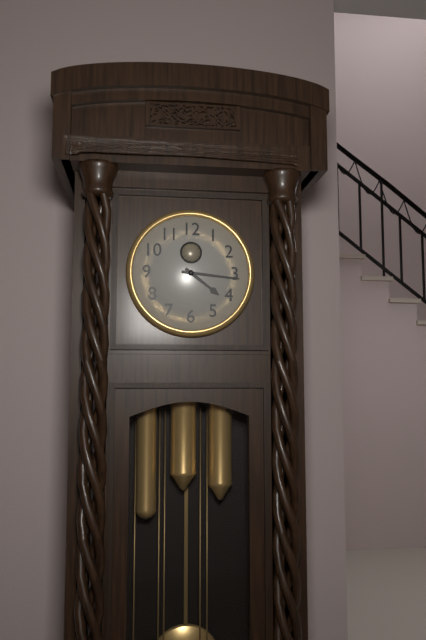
4:16
